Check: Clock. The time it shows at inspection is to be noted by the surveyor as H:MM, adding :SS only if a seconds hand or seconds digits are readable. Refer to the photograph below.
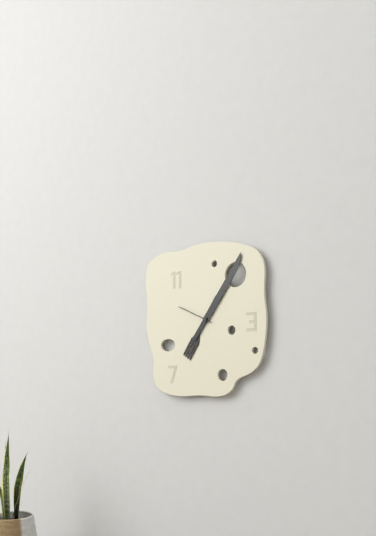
7:06
